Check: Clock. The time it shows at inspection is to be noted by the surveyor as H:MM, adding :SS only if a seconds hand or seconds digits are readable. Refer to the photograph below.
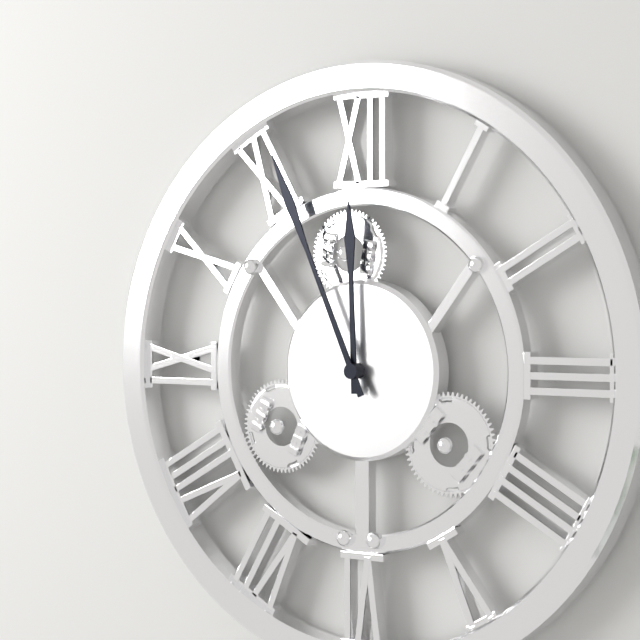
11:56
